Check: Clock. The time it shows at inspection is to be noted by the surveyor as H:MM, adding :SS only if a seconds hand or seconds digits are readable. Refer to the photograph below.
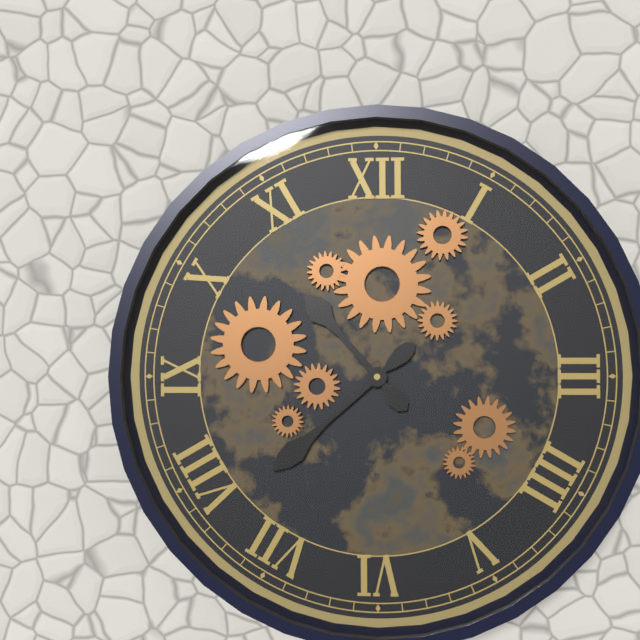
10:38
